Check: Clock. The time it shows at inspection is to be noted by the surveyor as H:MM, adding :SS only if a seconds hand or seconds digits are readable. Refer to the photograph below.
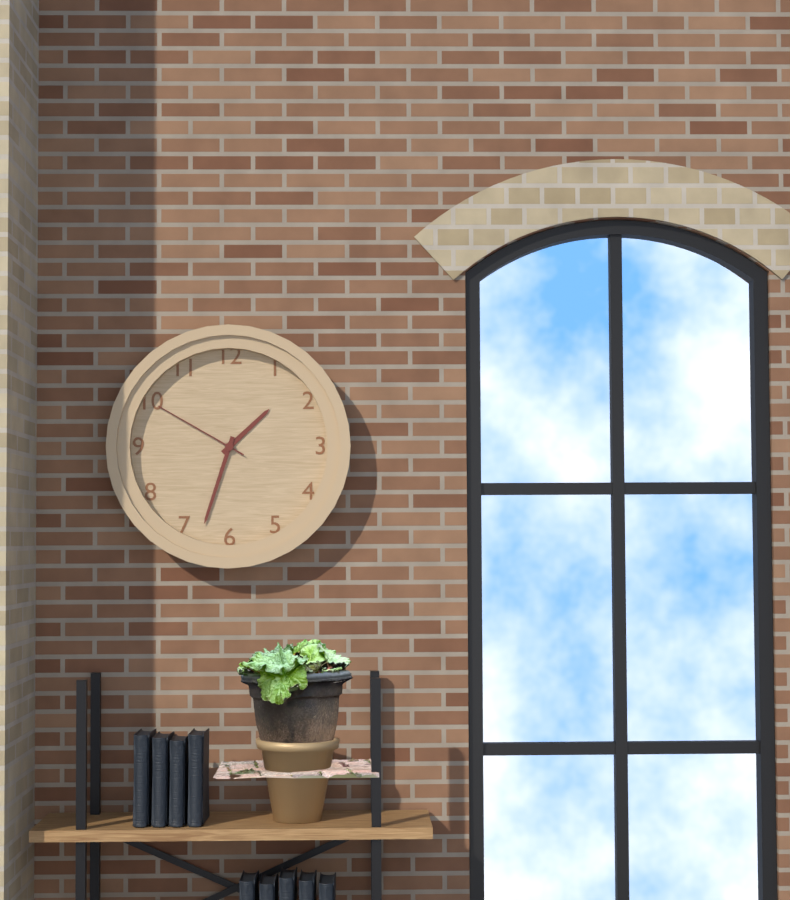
1:33:50
